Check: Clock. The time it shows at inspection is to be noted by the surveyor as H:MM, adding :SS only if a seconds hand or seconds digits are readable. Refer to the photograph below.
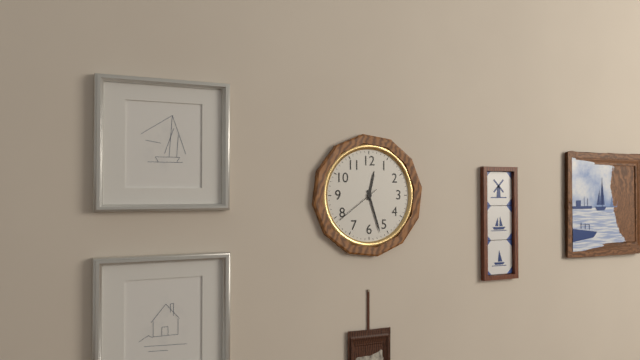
12:27
